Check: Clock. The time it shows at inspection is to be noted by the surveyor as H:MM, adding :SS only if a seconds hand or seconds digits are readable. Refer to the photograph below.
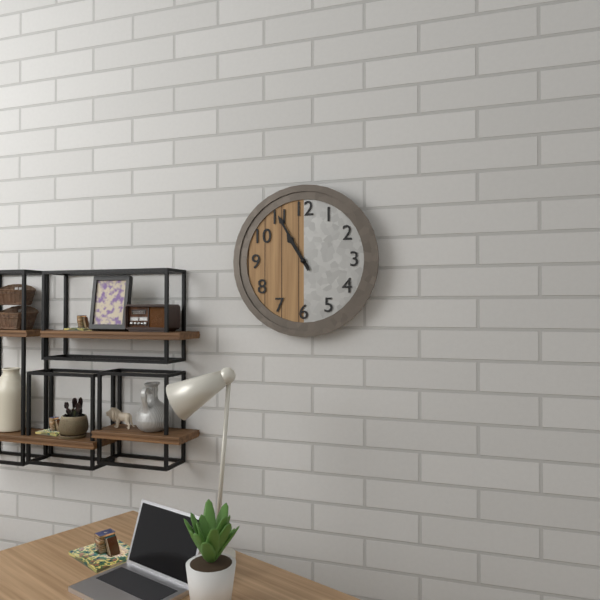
10:55
